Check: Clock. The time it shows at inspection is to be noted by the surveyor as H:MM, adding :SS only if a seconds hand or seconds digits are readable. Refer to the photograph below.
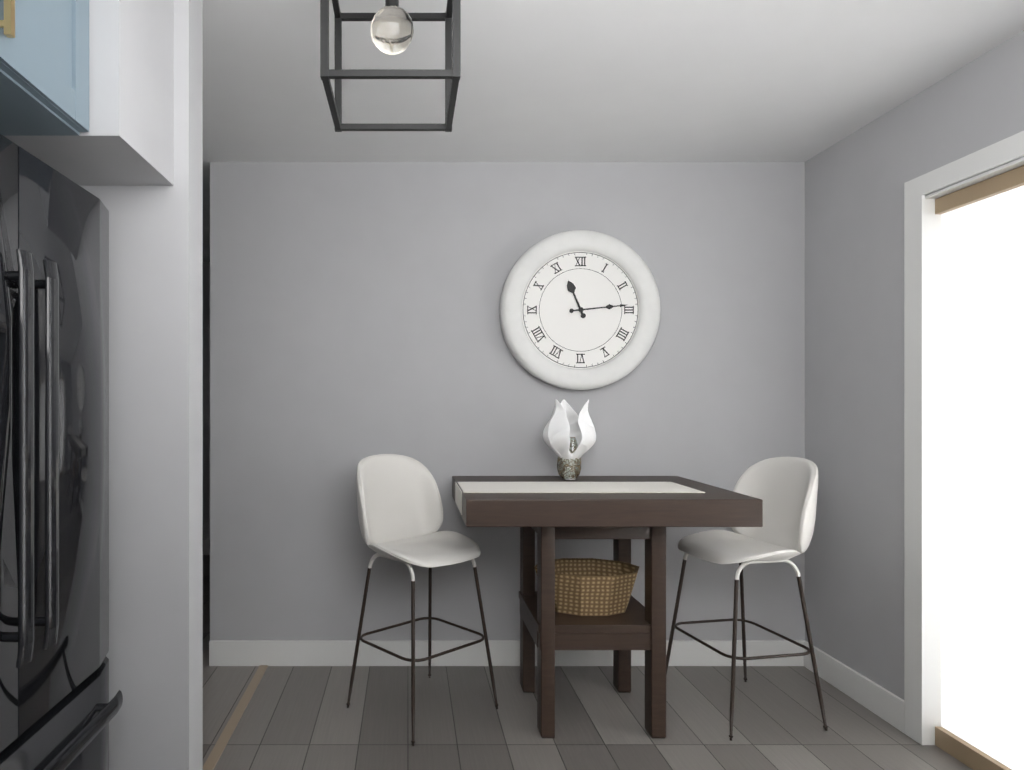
11:14
